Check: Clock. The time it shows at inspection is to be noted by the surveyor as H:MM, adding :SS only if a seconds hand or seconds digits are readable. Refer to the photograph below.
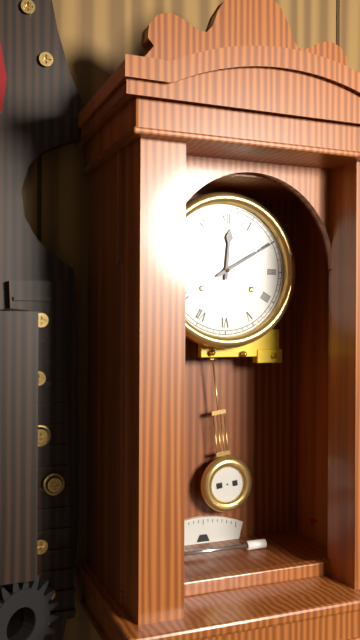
12:10
